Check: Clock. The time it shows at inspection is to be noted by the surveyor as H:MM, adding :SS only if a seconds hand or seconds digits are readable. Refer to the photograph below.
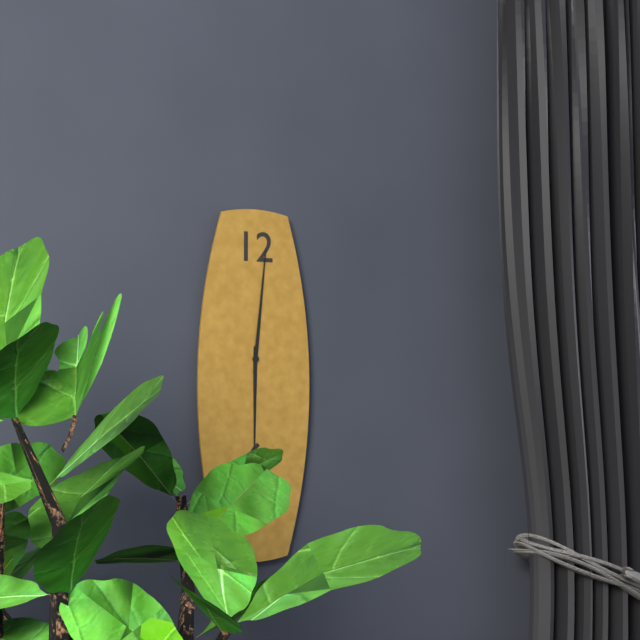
6:01
